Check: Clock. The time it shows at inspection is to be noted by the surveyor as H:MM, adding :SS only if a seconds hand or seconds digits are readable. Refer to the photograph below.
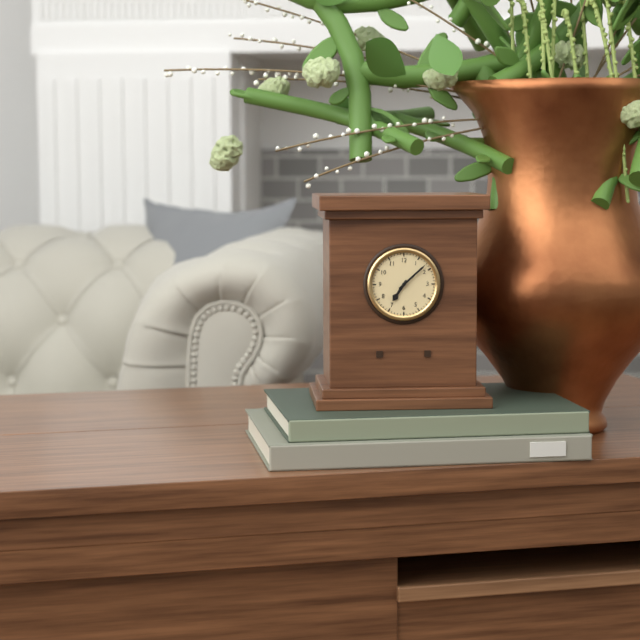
7:08
